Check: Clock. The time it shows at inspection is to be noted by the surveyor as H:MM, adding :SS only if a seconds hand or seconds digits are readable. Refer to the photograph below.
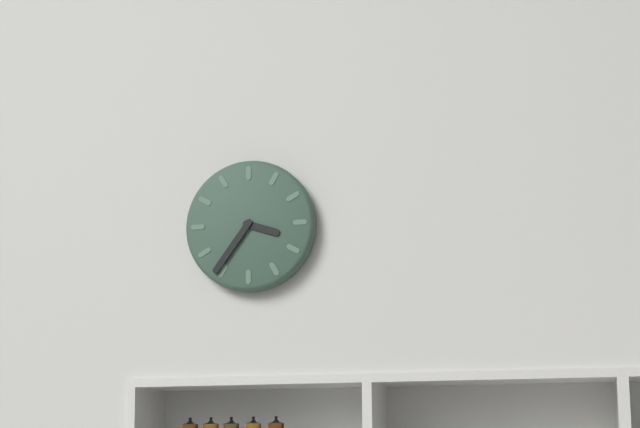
3:36
